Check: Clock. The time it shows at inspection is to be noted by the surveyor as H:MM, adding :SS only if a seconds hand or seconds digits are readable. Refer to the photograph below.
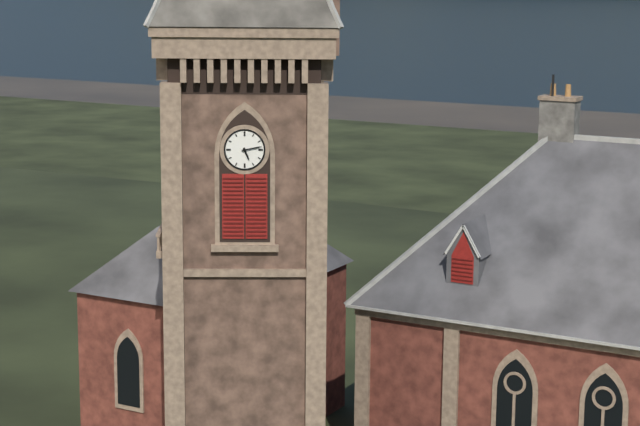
5:13
